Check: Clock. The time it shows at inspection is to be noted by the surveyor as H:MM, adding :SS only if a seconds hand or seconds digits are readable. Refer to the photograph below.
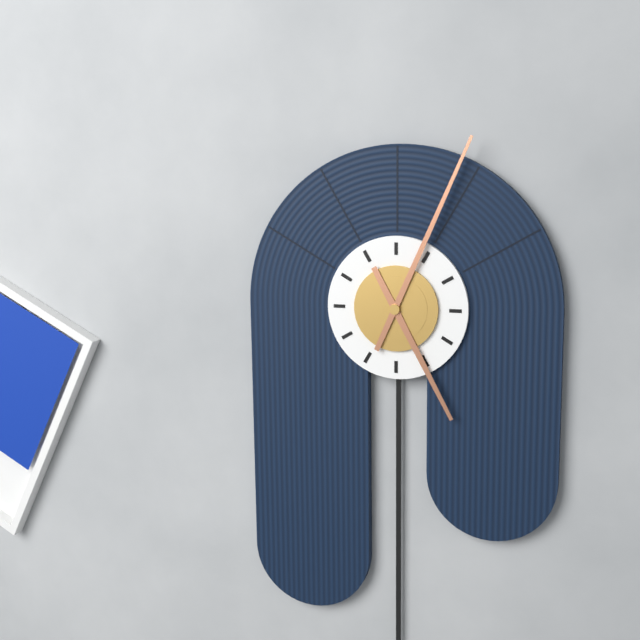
5:04
